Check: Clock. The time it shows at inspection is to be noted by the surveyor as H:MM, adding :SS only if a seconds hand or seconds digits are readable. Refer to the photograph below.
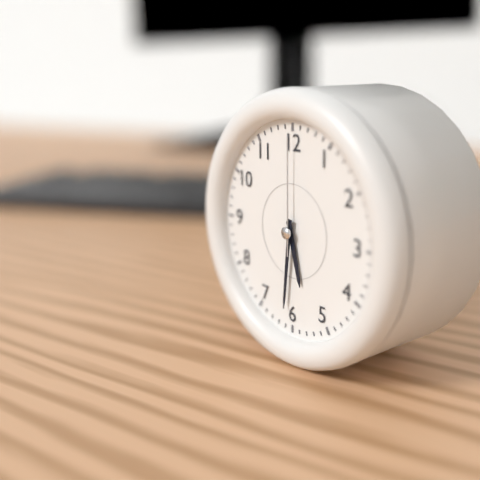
5:31:00
